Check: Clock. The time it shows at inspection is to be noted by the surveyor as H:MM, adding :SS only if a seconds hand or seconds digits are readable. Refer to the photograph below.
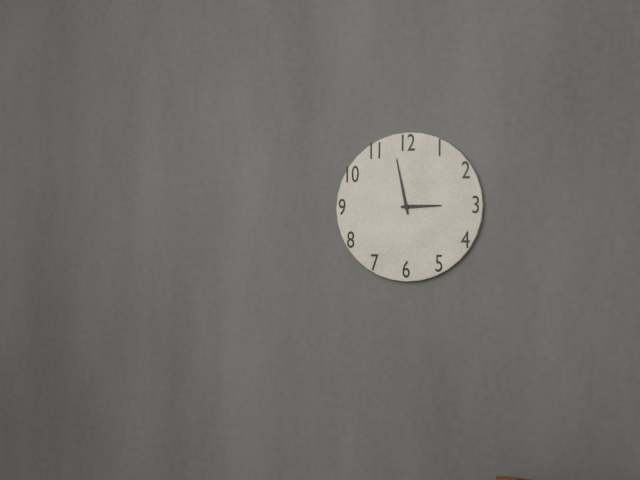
2:58
